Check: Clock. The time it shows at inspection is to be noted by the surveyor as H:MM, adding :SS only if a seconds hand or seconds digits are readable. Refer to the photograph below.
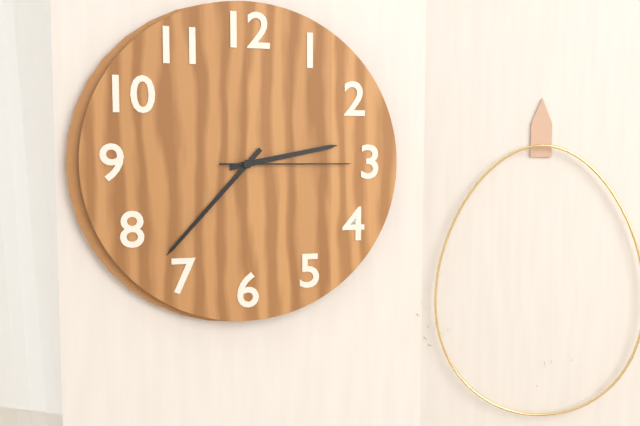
2:37:15
